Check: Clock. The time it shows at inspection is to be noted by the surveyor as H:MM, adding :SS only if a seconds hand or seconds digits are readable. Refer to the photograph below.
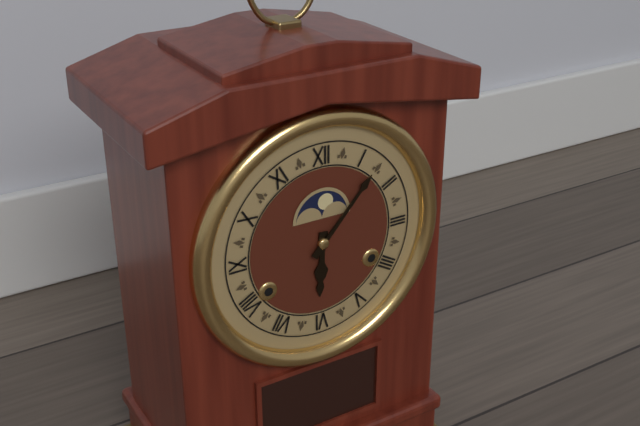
6:07
